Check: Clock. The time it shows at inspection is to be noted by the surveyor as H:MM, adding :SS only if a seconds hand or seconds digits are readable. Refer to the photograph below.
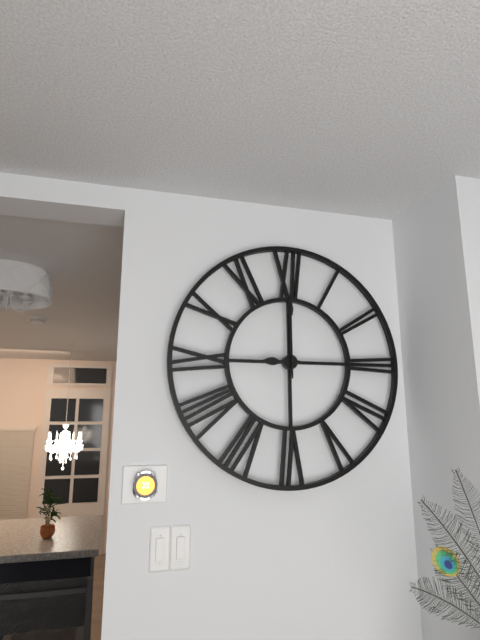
9:00:00
